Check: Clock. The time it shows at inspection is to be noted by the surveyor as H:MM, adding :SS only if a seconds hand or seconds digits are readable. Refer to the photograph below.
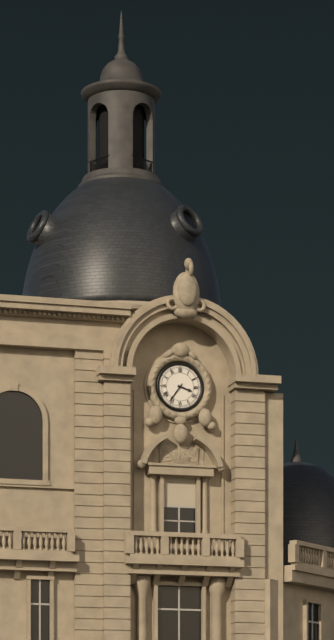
3:36
